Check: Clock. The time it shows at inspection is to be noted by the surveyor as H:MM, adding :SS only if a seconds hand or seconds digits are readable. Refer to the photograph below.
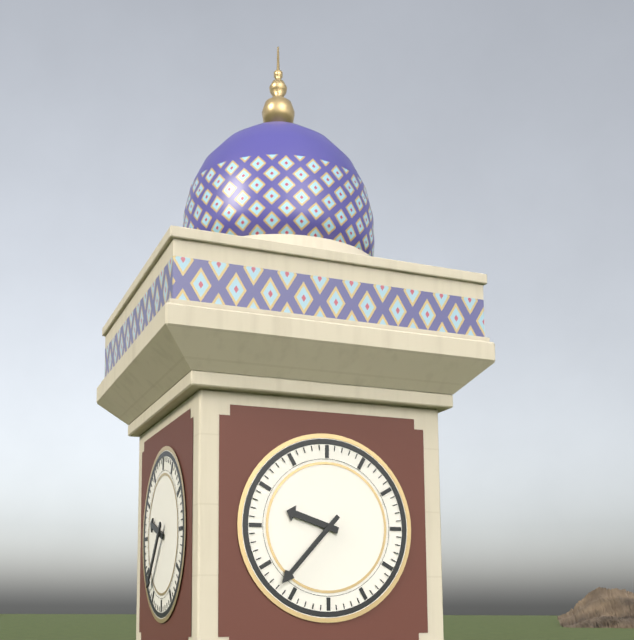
9:37
